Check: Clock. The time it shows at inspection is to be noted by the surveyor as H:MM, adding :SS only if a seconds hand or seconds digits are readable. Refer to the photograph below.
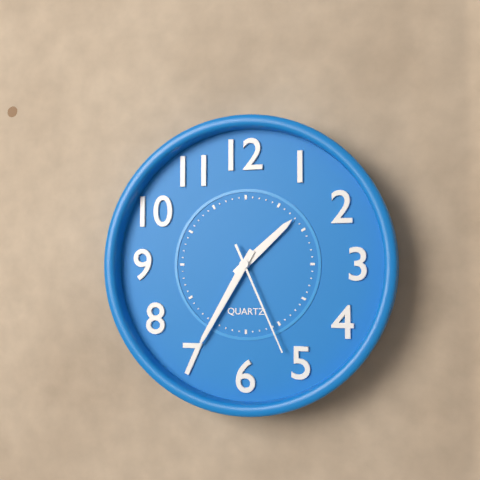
1:35:26
